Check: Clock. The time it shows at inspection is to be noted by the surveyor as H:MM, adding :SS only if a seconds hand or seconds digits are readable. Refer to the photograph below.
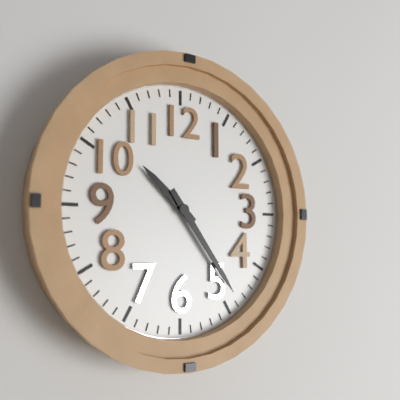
10:24
